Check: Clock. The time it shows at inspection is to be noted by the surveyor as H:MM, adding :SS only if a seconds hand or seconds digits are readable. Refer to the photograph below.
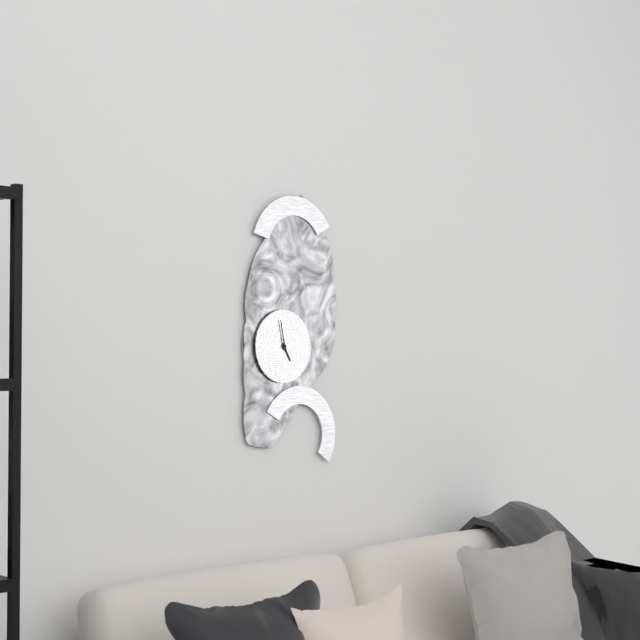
4:58
